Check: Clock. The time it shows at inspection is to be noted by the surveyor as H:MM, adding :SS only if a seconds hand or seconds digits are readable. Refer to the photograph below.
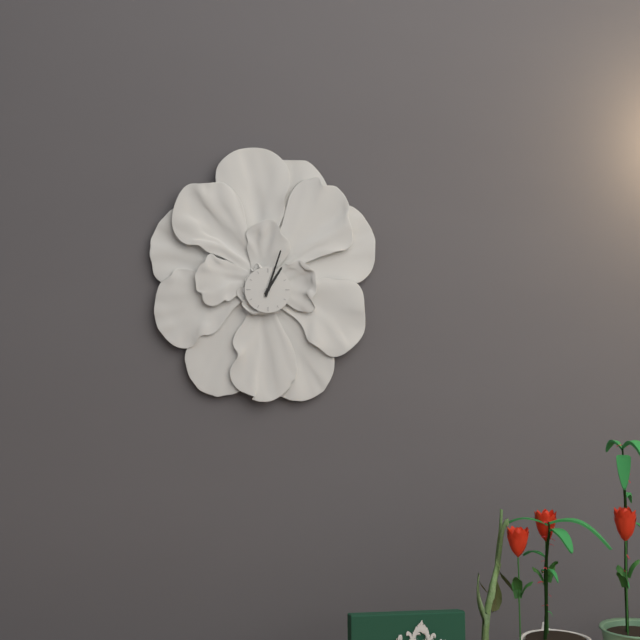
1:03
